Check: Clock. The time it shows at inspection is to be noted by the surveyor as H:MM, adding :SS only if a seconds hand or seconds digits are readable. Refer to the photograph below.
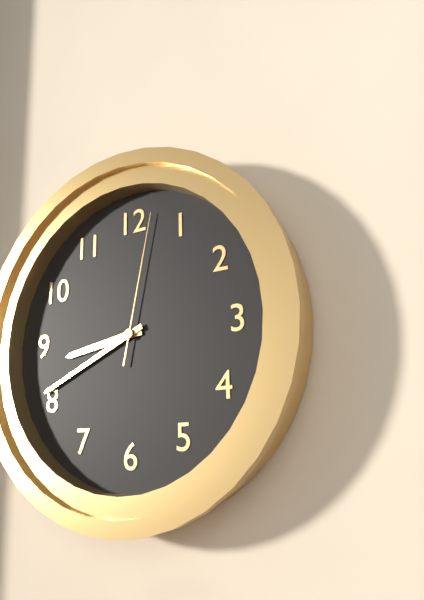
8:41:02
